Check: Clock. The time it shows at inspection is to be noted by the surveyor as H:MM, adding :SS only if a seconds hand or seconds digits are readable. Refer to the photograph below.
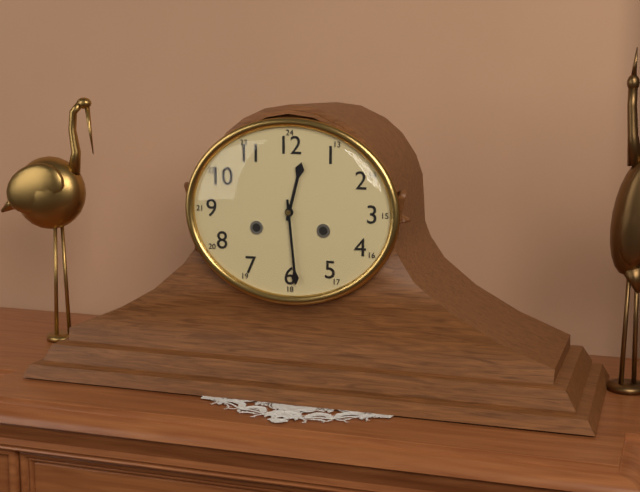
12:29
